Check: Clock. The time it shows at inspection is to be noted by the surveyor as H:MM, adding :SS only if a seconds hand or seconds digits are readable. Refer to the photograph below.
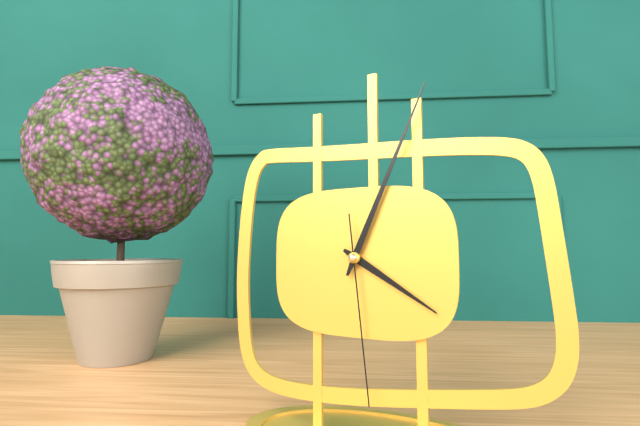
4:04:29
